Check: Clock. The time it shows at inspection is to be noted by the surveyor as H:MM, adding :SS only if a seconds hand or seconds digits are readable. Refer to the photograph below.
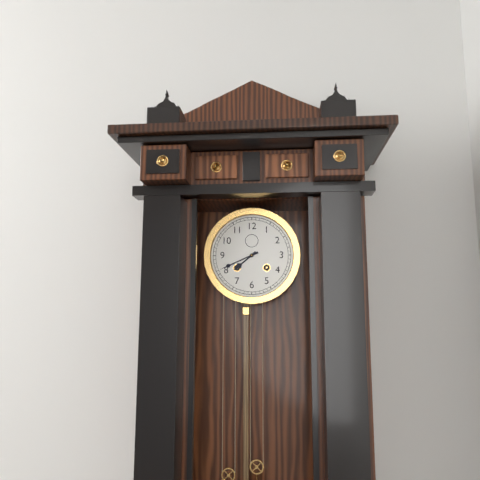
7:41
